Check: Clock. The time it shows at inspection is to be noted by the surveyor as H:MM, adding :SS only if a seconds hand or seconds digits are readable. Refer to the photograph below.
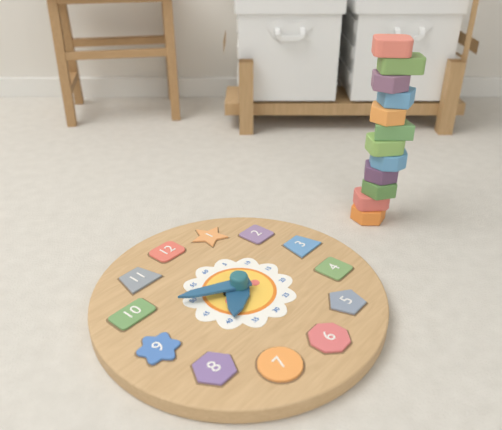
7:50
